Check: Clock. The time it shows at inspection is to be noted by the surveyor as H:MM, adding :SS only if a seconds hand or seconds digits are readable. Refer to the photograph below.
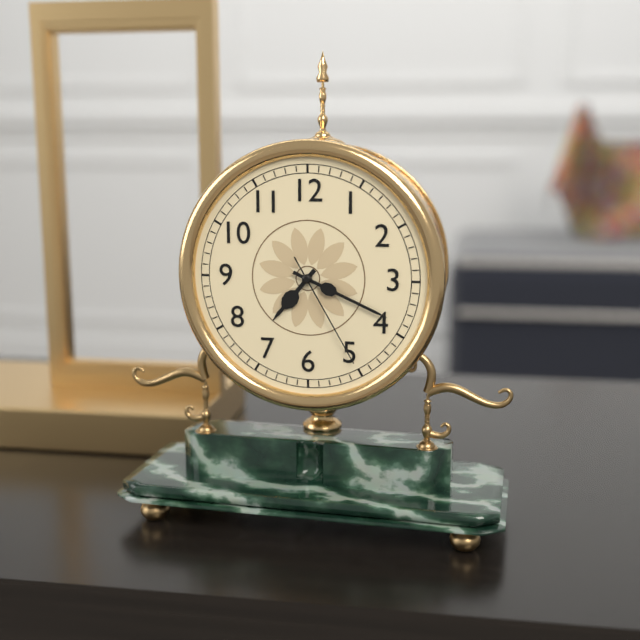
7:19:25
